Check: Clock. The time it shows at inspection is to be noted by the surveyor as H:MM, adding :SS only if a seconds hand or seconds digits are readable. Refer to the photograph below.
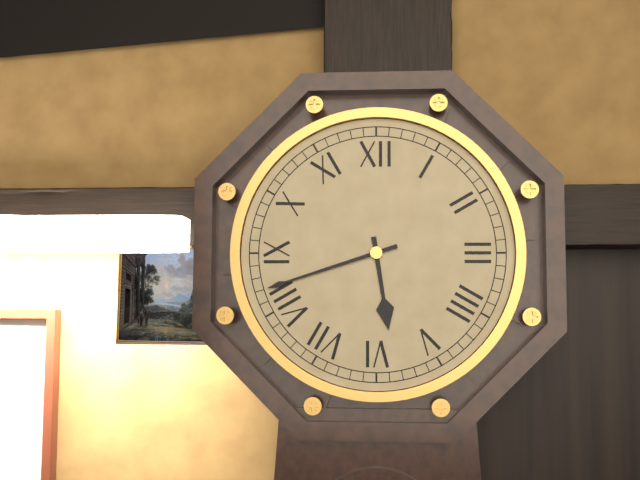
5:42
